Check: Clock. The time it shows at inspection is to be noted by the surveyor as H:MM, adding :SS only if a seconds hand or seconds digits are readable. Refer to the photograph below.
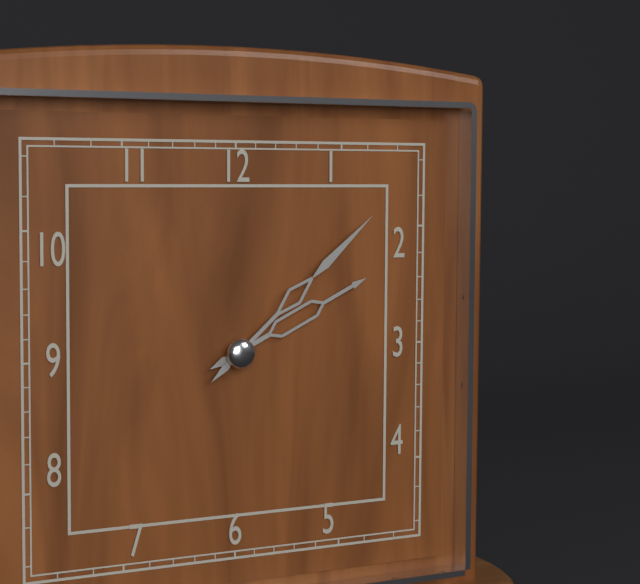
2:08
